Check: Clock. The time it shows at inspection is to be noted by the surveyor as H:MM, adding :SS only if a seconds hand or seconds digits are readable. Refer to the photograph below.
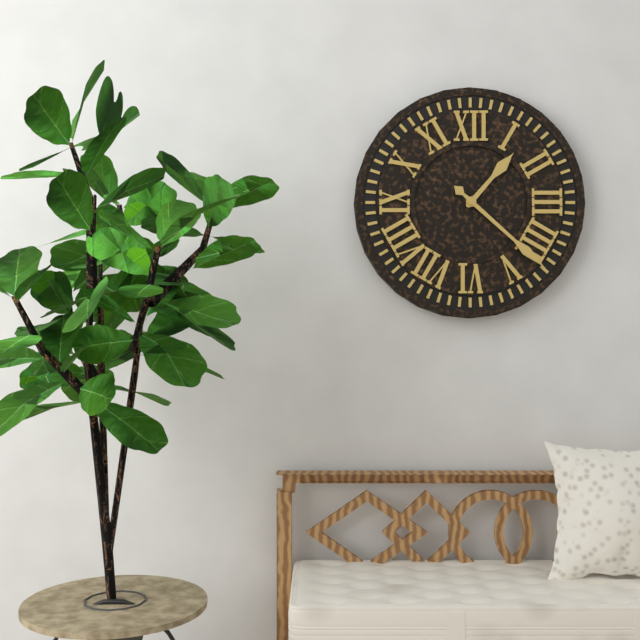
1:22
